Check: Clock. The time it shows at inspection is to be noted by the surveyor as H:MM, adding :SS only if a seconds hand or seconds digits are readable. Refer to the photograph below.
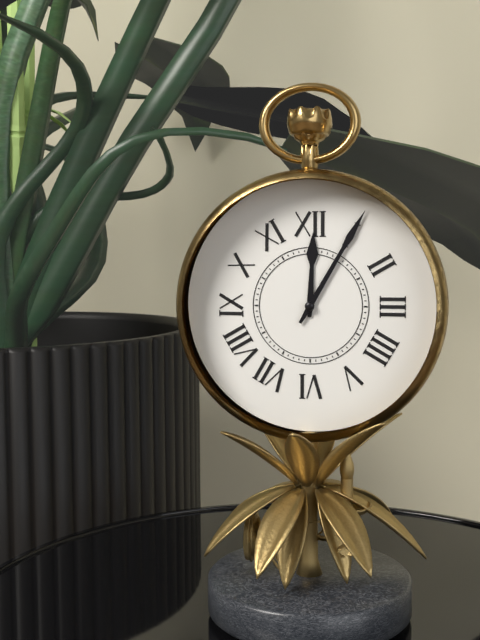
12:05
